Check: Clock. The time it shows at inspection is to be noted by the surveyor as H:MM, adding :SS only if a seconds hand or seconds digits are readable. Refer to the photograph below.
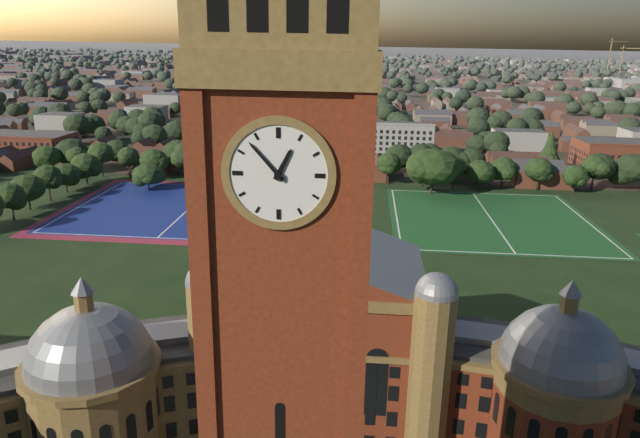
12:53
